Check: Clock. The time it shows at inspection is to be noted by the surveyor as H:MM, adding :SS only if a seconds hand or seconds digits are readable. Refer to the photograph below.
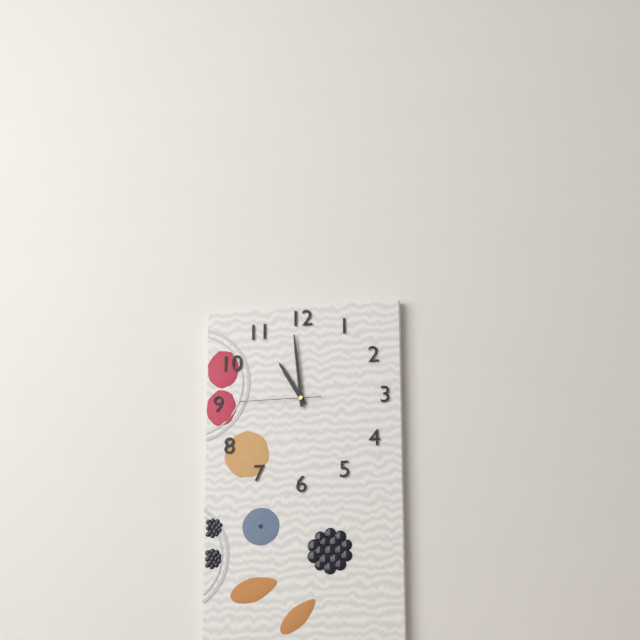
10:59:45
